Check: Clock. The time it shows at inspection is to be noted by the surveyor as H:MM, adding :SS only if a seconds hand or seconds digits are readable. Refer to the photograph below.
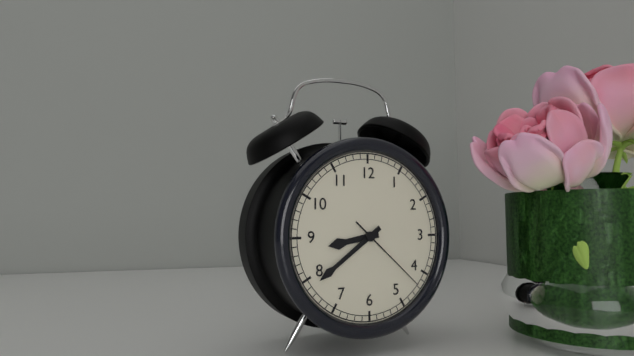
8:39:22
